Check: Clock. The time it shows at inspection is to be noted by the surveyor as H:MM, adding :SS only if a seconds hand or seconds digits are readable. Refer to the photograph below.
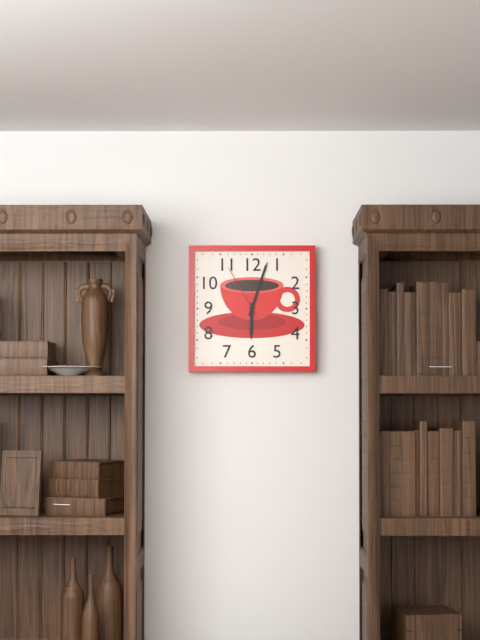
6:03:55
